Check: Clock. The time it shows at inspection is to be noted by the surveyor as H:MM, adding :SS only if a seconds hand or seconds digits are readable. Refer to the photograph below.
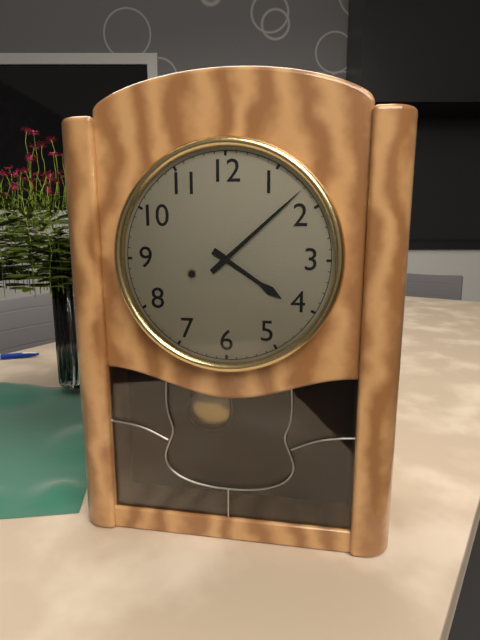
4:08
